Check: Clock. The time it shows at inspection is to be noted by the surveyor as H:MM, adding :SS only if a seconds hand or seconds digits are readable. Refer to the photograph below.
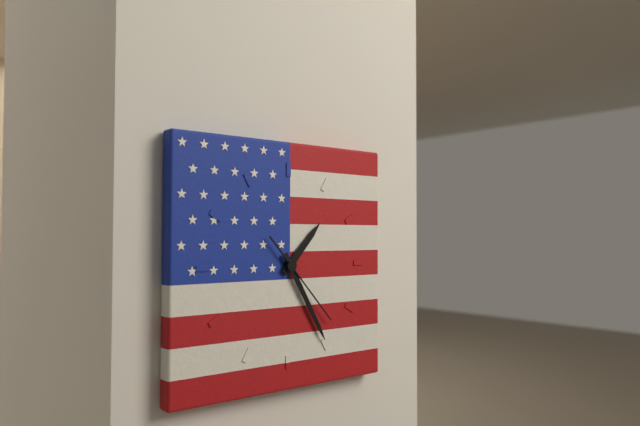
1:25:23
